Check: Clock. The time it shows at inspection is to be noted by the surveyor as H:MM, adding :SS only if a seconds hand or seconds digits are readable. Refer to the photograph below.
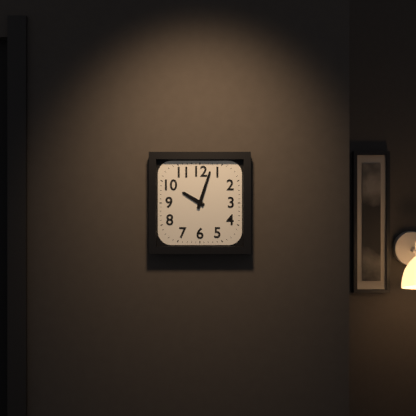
10:03
